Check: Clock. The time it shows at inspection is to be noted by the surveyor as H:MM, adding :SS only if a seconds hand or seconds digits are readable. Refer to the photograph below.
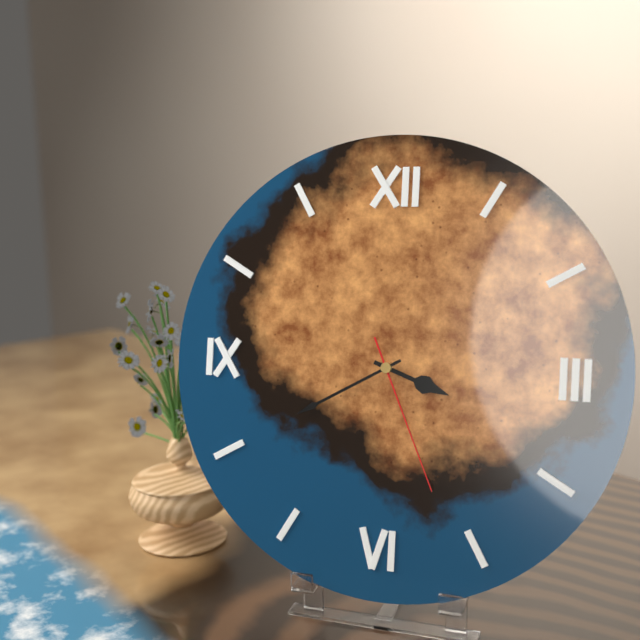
3:40:26
